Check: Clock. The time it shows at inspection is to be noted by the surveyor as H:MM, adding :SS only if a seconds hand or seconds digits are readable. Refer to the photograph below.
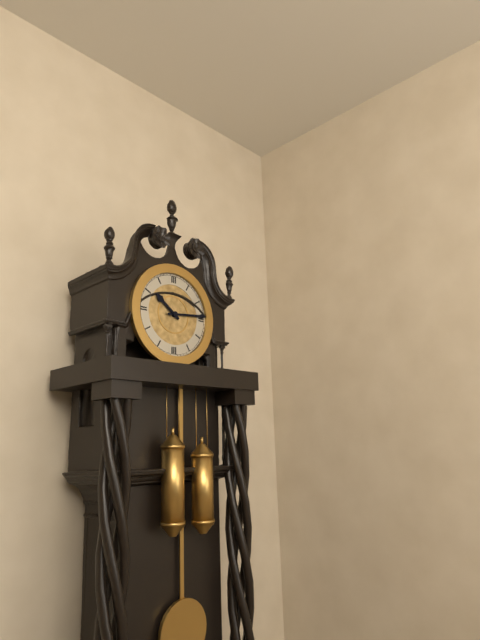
10:14
